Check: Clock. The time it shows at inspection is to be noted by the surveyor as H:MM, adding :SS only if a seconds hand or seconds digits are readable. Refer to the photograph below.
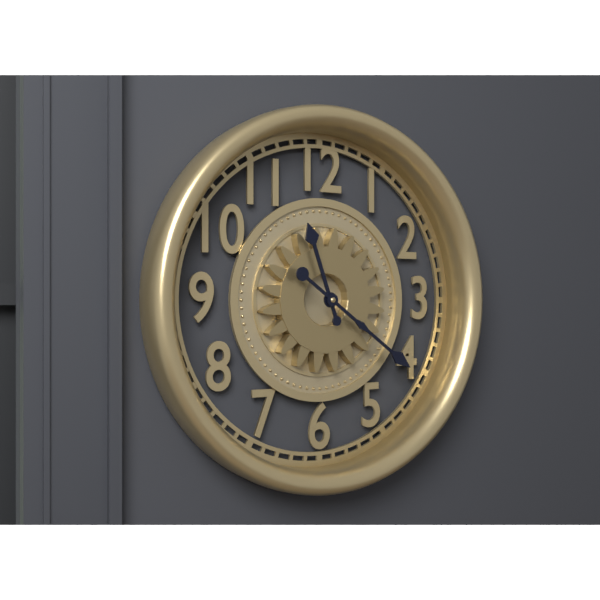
11:21
